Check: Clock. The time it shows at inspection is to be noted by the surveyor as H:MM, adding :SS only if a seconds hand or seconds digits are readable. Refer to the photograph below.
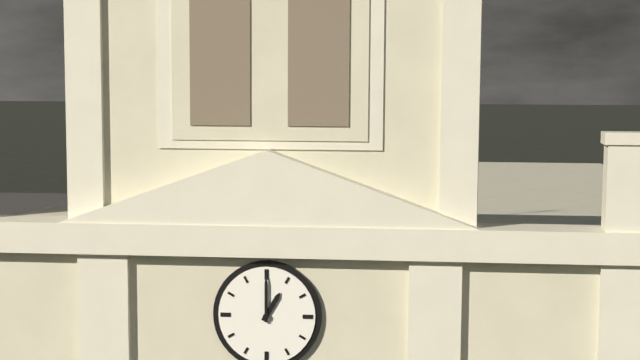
1:00
